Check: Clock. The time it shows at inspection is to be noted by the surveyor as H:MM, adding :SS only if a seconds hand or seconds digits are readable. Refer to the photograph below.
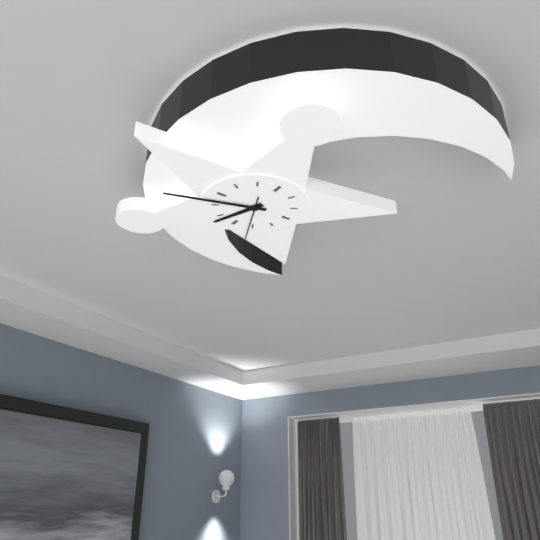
6:42:26
